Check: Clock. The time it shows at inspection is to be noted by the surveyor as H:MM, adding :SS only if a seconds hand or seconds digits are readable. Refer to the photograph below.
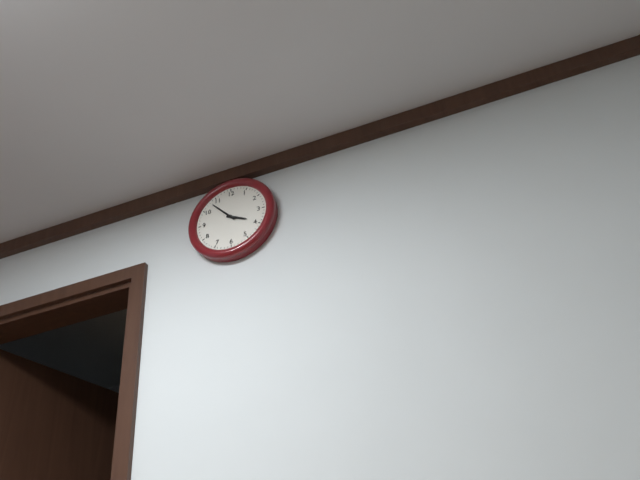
3:53
